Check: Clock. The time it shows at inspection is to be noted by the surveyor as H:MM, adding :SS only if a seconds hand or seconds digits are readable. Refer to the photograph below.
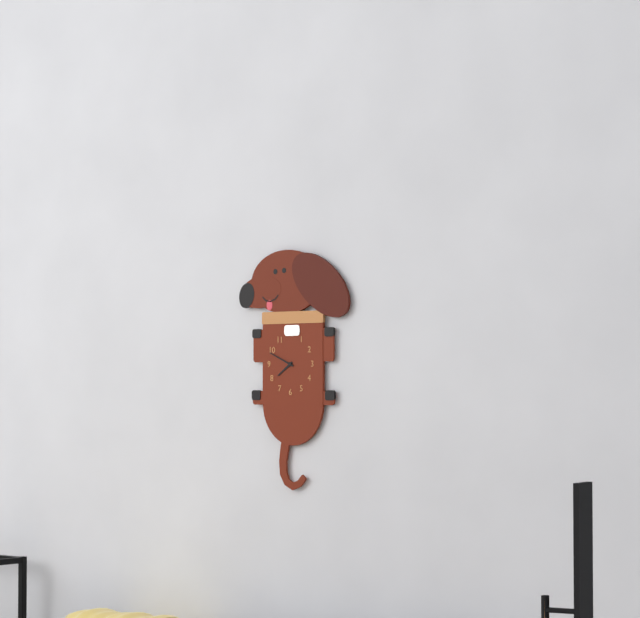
7:49
